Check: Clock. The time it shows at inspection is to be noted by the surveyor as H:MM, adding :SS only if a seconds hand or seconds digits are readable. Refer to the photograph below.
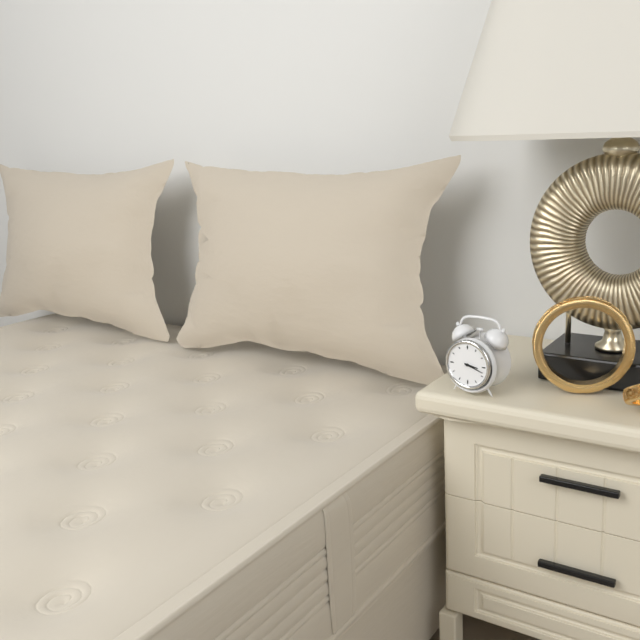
3:18
